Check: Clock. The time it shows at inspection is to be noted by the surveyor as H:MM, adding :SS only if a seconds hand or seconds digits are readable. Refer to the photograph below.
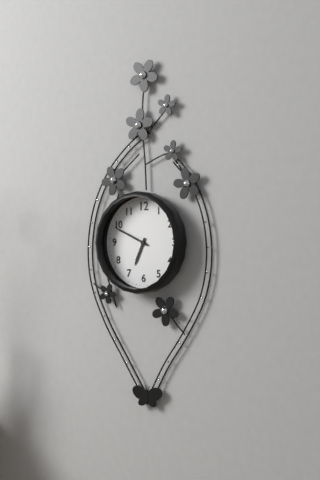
6:49
